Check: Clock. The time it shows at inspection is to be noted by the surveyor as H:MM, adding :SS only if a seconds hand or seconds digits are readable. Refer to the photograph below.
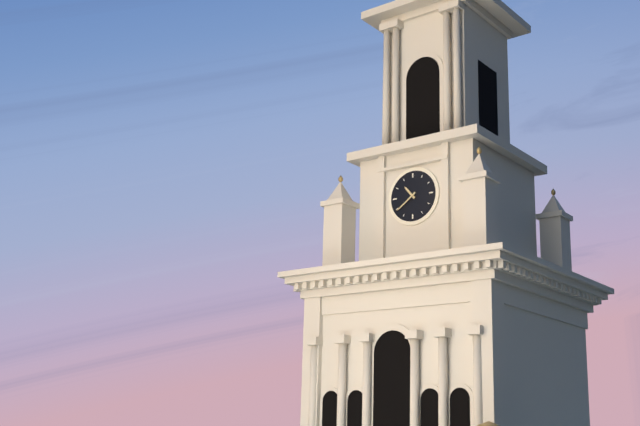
10:39
